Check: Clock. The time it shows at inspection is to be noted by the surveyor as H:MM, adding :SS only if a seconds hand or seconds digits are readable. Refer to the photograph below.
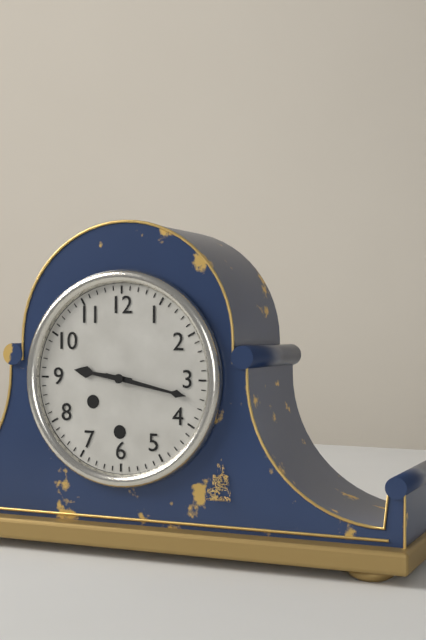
9:17
